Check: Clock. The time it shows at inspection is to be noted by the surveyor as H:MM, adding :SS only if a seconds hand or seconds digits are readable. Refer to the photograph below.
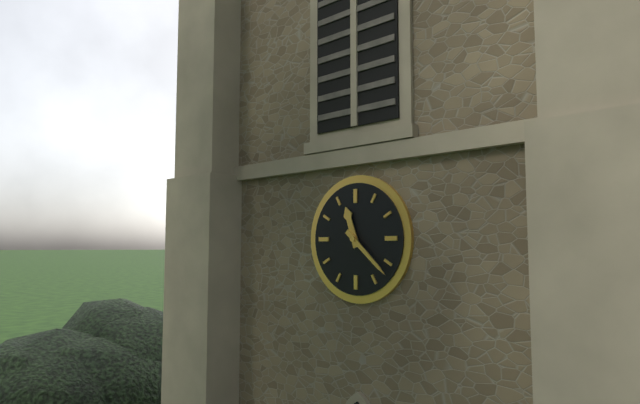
11:22
